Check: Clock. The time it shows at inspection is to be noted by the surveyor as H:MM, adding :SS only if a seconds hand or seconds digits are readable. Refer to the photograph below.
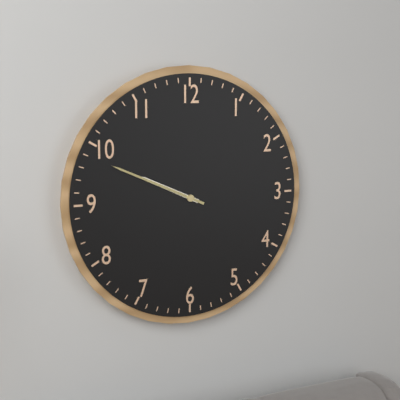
9:49
